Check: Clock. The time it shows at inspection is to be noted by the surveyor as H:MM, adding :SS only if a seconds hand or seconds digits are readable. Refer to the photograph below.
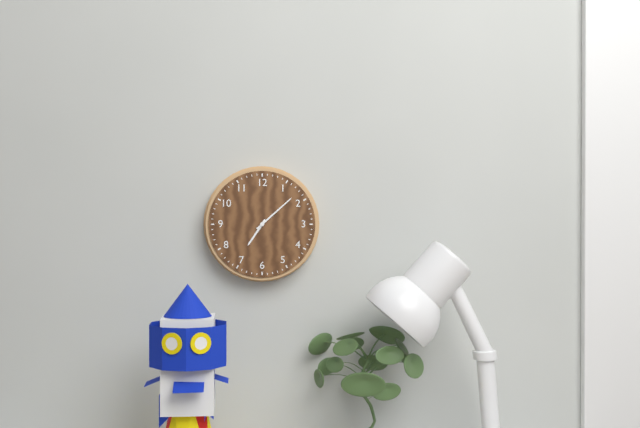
7:08
